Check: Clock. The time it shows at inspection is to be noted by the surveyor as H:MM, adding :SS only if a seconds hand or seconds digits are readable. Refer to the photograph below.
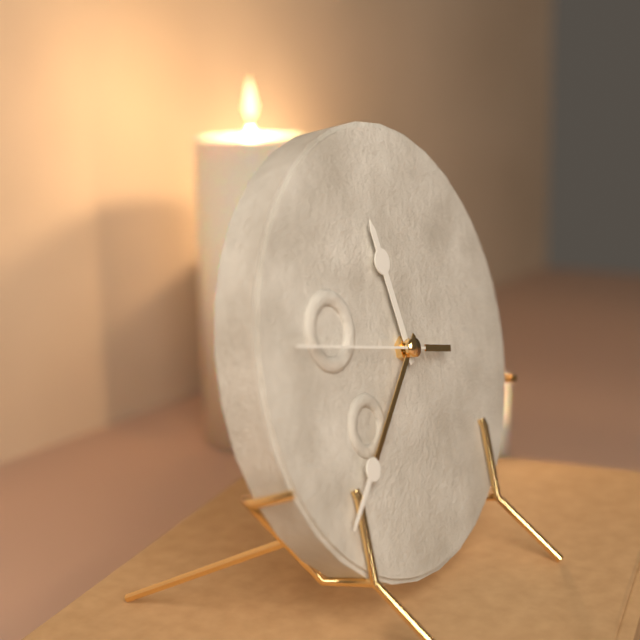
11:38:47
